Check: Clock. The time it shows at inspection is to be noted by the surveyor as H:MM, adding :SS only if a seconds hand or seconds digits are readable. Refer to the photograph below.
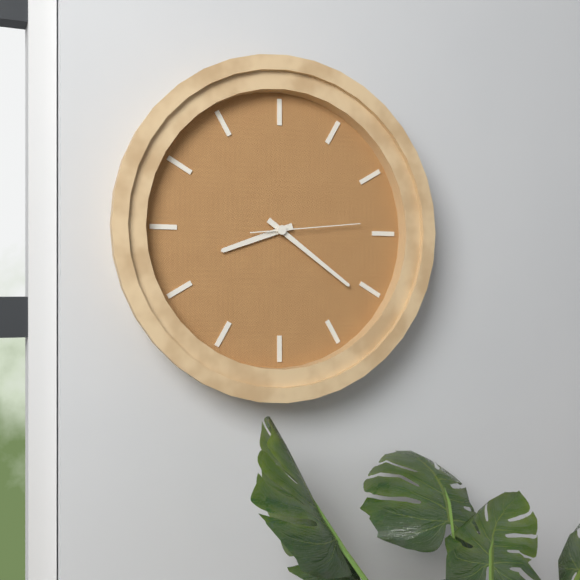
8:21:14
